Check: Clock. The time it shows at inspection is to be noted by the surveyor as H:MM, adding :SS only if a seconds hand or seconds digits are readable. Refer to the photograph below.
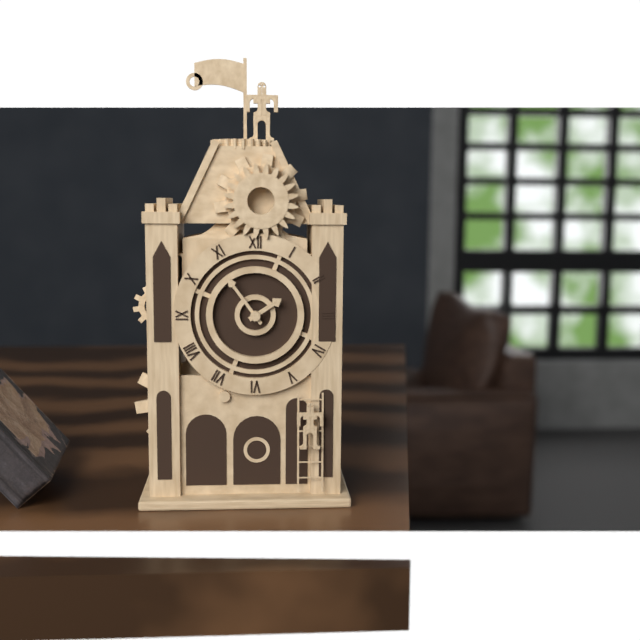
1:54
